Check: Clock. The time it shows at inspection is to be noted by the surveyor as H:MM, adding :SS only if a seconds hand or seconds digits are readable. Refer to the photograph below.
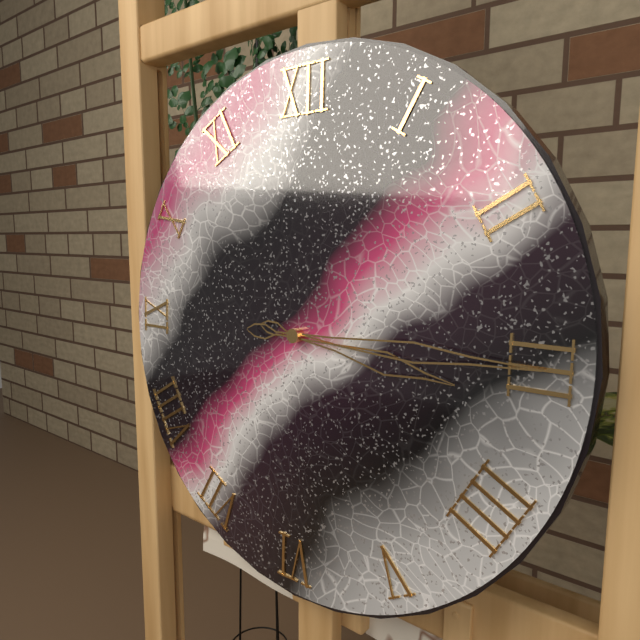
3:15
